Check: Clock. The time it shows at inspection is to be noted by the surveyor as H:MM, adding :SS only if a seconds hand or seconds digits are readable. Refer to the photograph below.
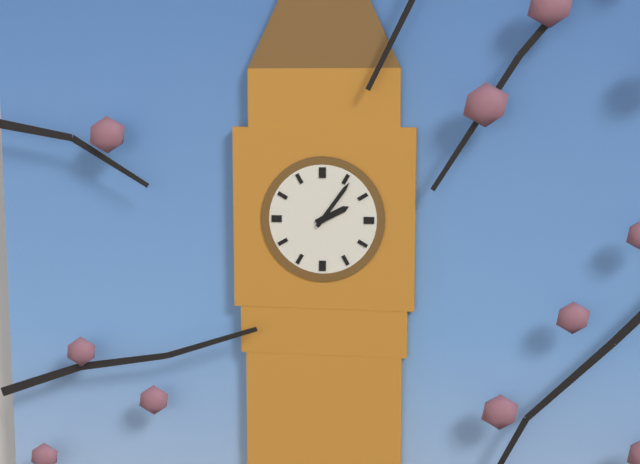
2:06
